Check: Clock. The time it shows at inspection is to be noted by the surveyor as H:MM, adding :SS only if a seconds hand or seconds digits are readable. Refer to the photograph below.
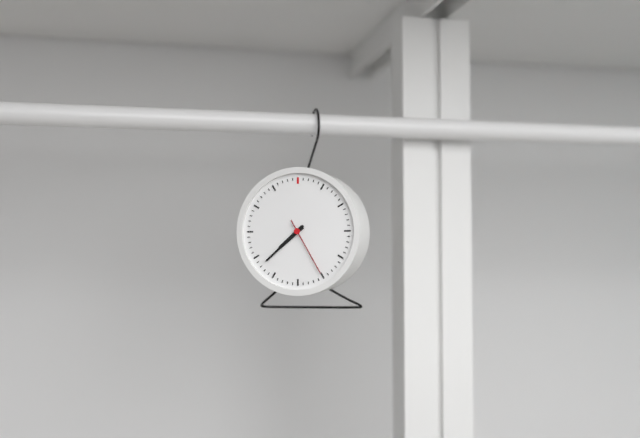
7:38:25
